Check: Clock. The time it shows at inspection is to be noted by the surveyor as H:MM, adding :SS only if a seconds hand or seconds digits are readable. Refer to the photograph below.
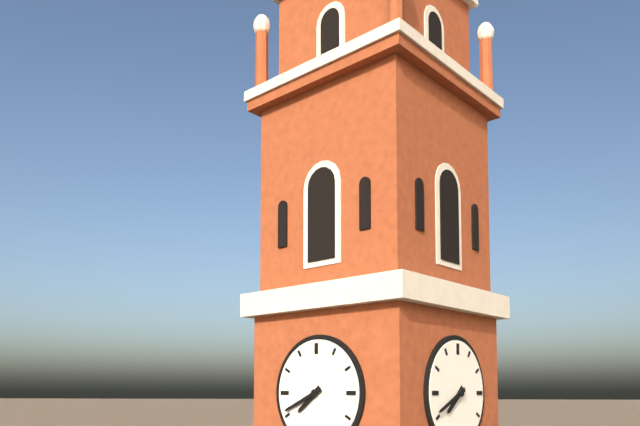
7:41
